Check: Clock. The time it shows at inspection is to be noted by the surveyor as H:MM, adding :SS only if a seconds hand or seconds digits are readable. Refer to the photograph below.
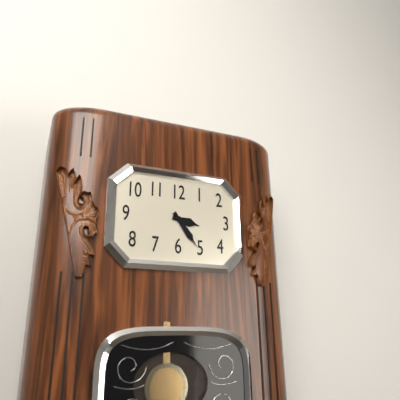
3:24
